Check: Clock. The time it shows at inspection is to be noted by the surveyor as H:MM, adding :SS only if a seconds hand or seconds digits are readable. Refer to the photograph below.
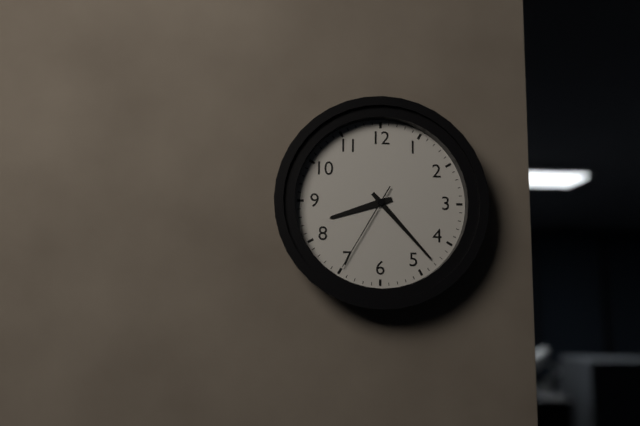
8:23:35
